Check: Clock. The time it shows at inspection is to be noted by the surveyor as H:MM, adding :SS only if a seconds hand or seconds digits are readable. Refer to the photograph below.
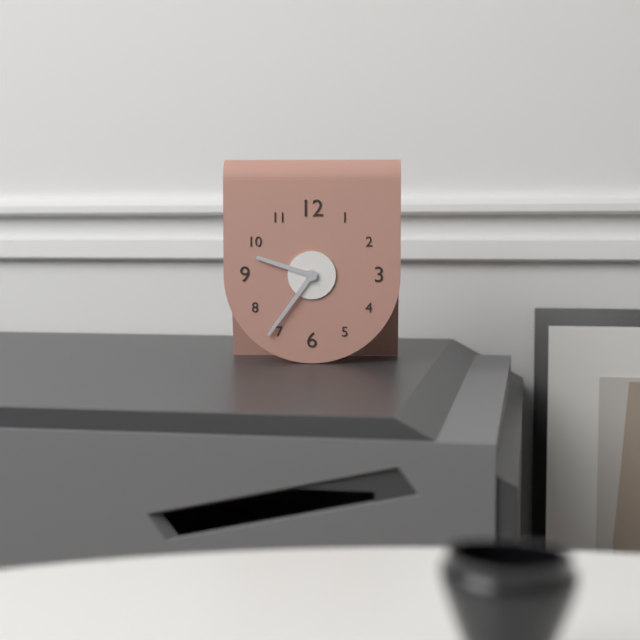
9:36
